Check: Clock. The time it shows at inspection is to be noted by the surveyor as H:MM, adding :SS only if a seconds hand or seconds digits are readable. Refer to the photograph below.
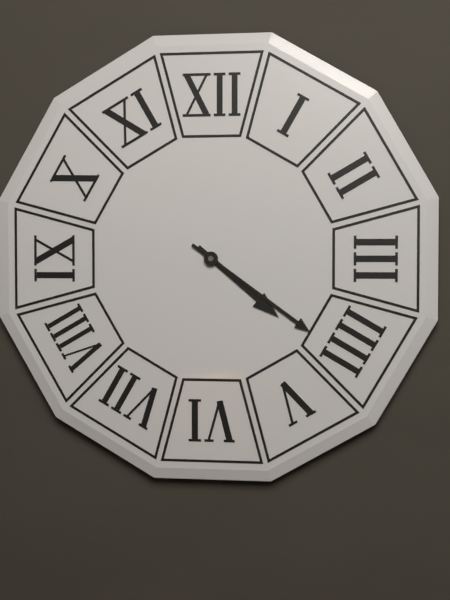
4:21
